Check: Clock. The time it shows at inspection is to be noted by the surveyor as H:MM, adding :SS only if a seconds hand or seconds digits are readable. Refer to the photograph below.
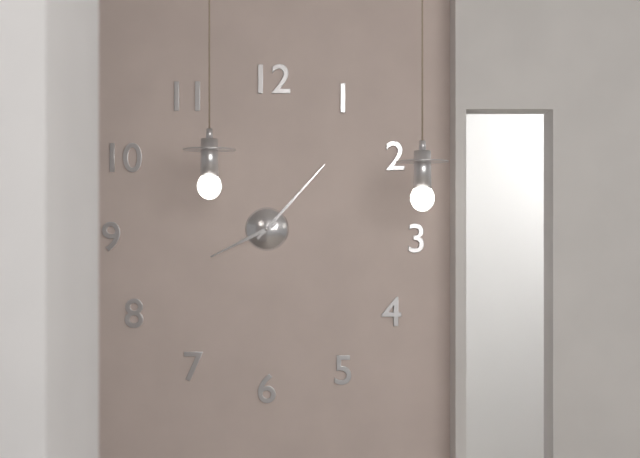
8:07
